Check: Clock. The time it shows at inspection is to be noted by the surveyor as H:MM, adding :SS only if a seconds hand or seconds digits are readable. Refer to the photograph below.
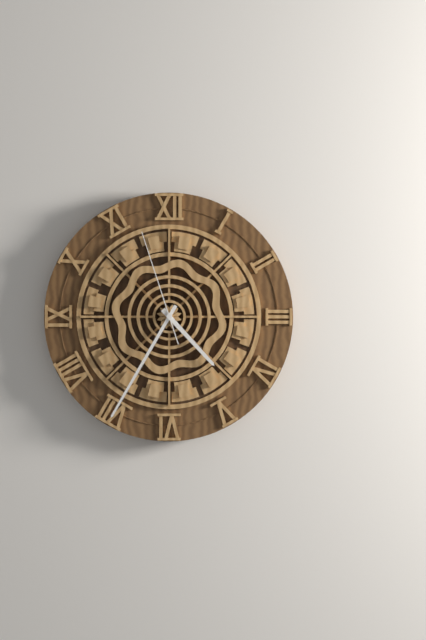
4:35:57
